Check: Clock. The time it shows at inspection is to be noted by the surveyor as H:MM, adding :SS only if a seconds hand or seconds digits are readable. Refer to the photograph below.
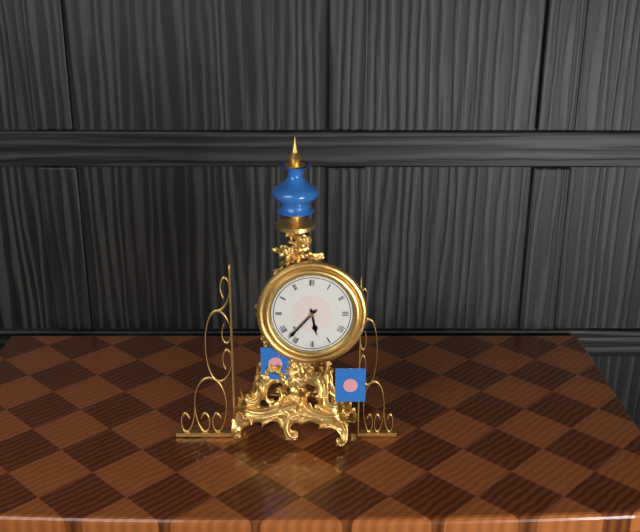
5:37
